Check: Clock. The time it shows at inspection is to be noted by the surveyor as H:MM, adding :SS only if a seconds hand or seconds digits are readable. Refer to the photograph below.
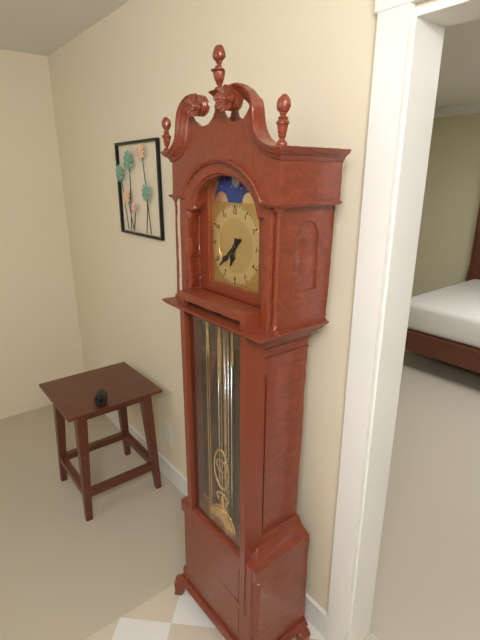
6:38
